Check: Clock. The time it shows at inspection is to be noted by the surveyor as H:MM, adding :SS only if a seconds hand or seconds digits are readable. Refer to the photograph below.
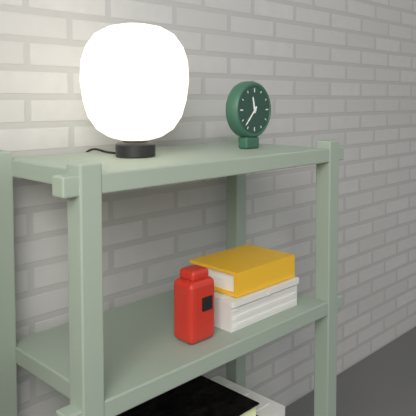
11:37
